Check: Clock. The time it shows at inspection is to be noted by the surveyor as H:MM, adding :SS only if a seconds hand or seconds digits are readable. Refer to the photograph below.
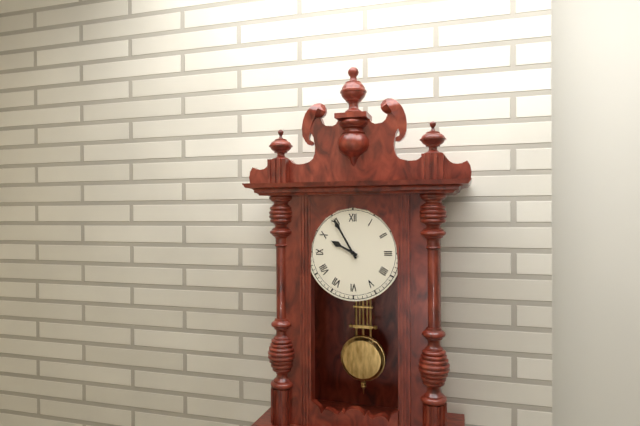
9:55
